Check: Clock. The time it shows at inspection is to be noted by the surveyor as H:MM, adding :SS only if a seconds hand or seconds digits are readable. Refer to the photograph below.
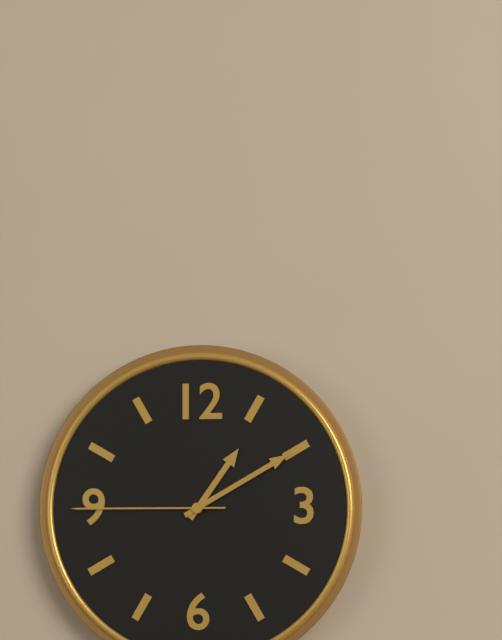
1:10:45
